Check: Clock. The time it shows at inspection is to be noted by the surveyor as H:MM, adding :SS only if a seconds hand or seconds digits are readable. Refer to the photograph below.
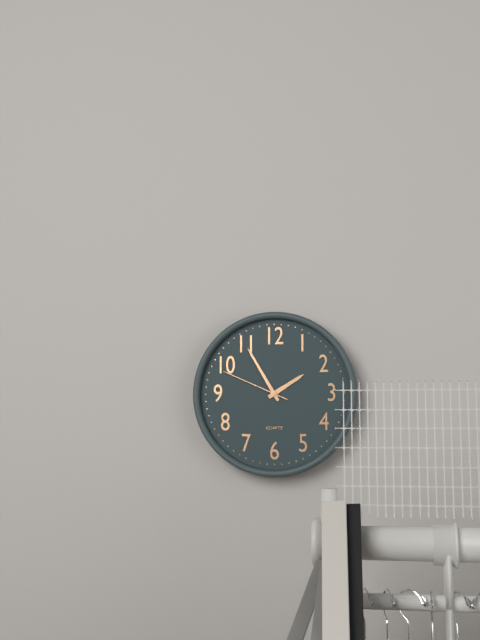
1:55:49
